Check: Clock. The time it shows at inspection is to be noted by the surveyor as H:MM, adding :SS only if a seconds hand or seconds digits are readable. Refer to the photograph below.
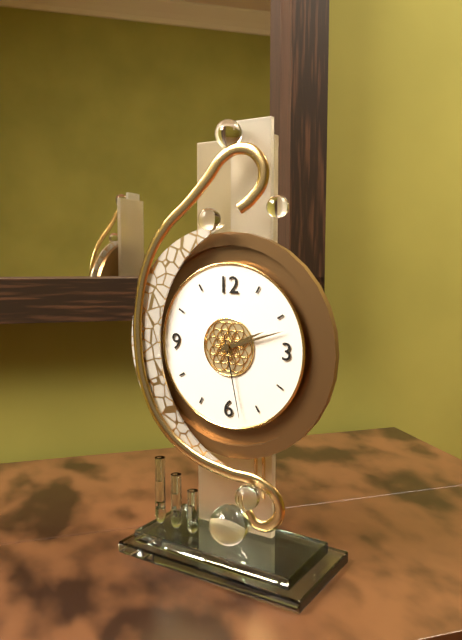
2:12:28
